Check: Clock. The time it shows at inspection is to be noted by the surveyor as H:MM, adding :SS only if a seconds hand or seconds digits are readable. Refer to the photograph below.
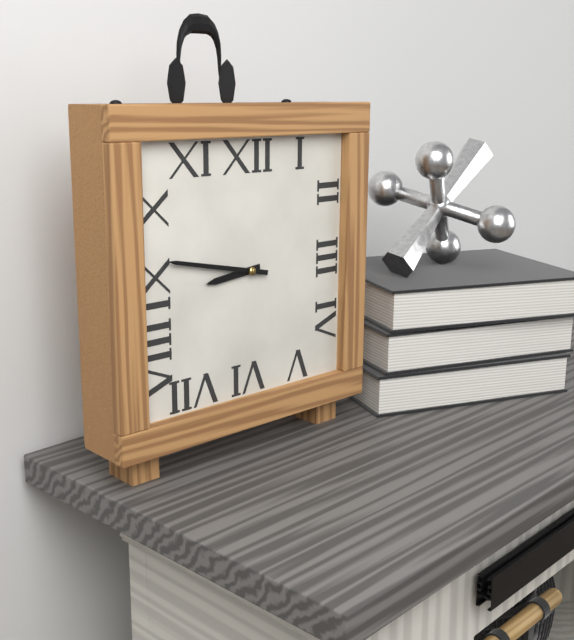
8:47
